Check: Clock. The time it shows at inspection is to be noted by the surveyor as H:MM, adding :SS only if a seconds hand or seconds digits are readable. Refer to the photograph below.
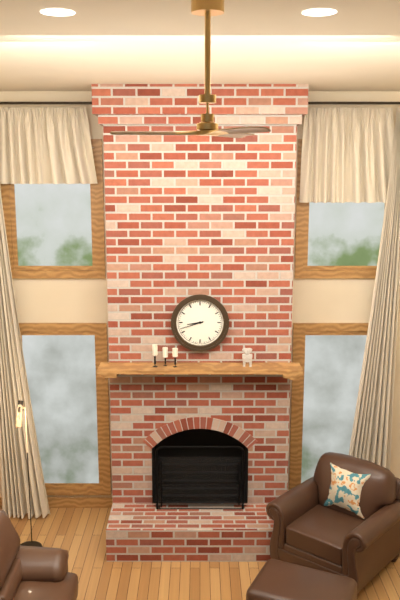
8:42
